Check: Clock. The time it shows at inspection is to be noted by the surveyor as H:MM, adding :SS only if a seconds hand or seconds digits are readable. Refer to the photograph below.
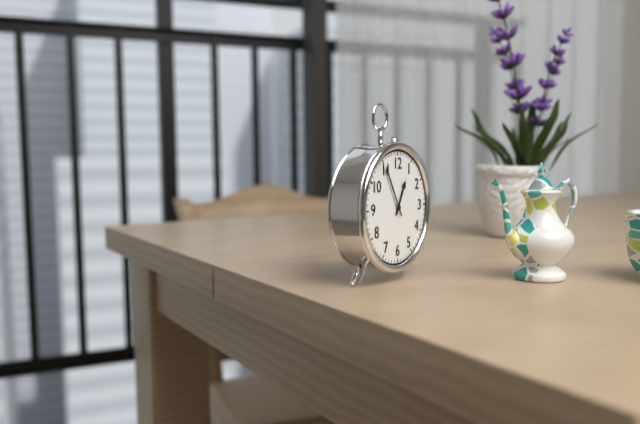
12:55
